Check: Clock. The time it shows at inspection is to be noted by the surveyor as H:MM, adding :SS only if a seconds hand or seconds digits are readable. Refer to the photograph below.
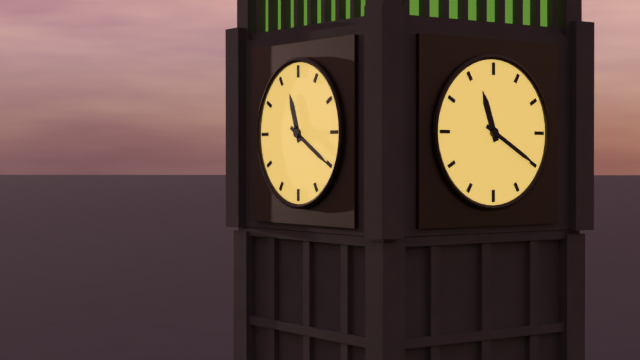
11:20
